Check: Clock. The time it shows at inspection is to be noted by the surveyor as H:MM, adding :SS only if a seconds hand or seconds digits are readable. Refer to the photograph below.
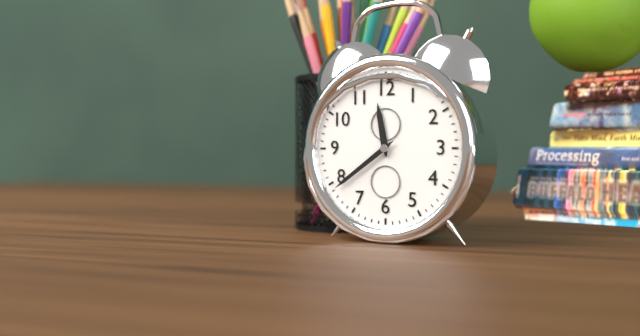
11:39
